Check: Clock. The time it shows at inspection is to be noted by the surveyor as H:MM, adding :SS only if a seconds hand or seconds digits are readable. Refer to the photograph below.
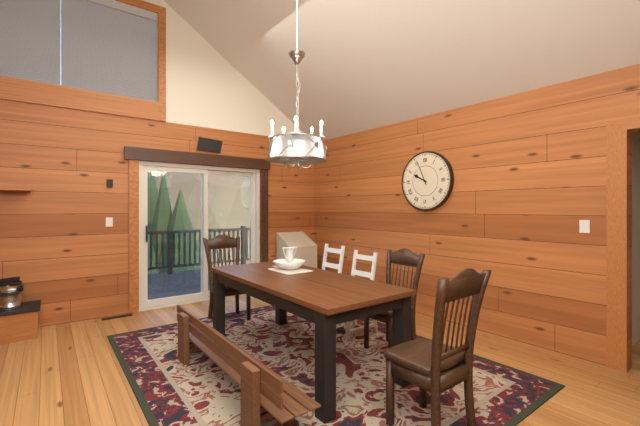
9:56
